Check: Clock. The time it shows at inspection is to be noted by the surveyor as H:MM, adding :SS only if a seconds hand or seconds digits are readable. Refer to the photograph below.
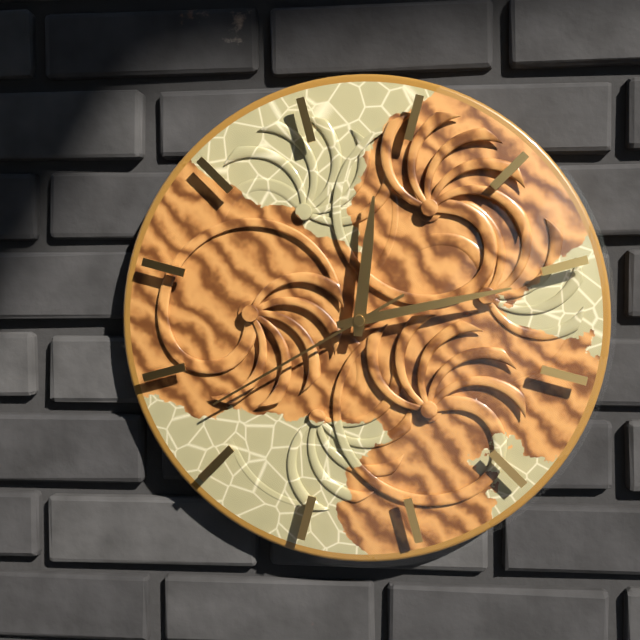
12:13:40
